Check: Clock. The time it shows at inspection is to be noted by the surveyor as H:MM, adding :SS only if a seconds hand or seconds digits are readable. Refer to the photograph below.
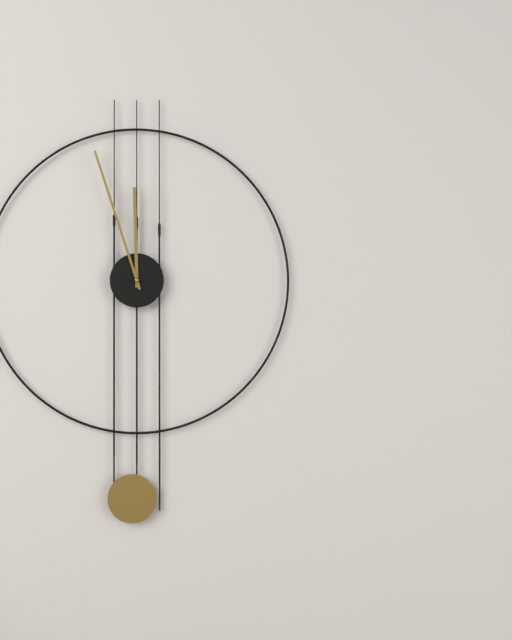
11:57
